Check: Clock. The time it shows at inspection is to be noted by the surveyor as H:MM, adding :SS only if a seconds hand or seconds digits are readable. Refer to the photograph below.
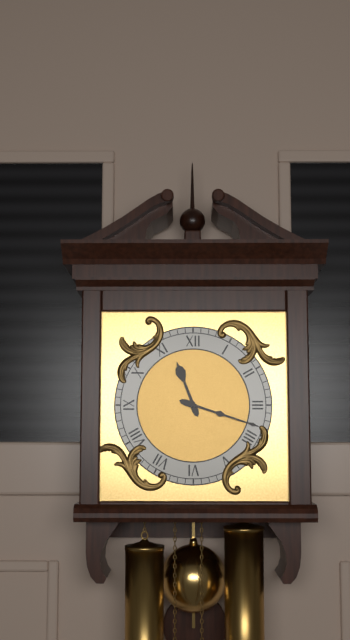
11:18
